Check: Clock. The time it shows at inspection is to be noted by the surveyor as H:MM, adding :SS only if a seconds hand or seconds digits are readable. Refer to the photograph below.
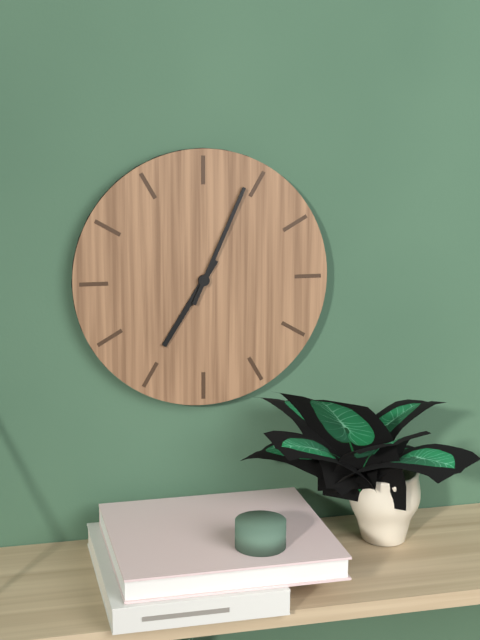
7:04
